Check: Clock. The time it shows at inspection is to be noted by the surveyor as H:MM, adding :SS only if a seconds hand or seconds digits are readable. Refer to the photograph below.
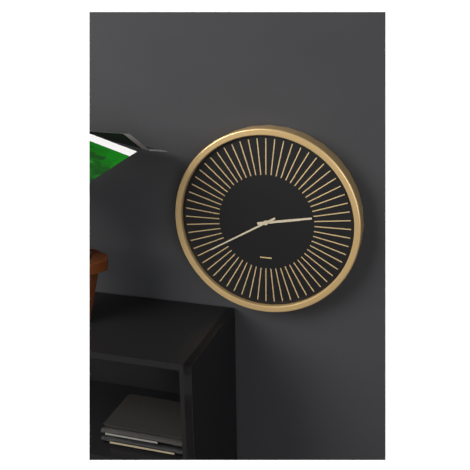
2:40
